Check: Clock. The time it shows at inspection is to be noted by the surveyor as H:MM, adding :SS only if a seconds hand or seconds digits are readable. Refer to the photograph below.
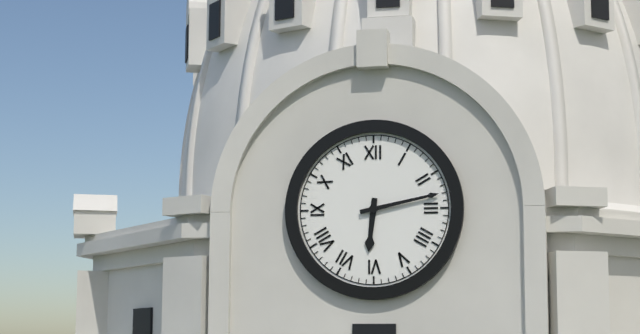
6:13
